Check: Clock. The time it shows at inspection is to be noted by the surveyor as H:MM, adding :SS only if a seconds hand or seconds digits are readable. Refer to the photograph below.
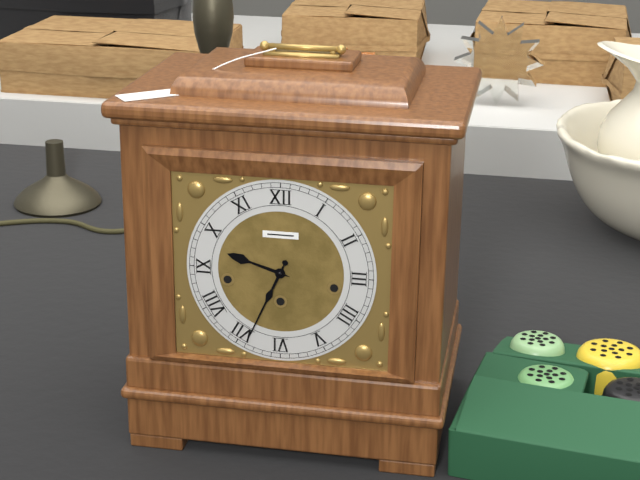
9:34
